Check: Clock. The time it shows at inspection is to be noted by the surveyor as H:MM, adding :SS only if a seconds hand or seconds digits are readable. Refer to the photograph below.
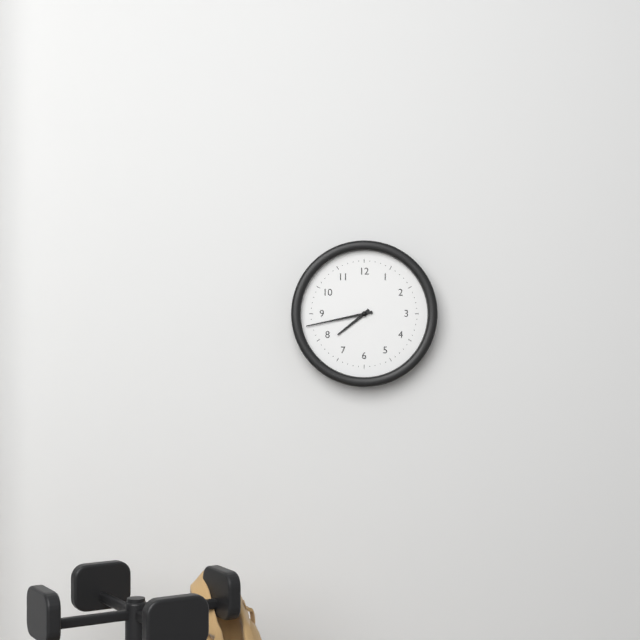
7:43
